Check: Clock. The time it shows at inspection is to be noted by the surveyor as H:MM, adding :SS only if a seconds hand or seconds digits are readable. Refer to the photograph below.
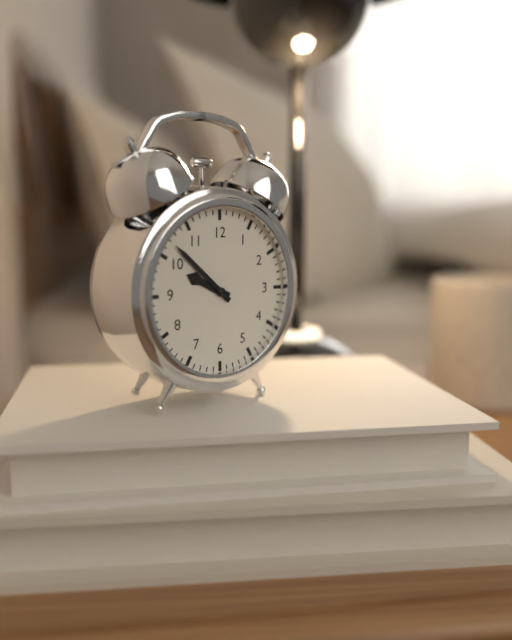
9:52
